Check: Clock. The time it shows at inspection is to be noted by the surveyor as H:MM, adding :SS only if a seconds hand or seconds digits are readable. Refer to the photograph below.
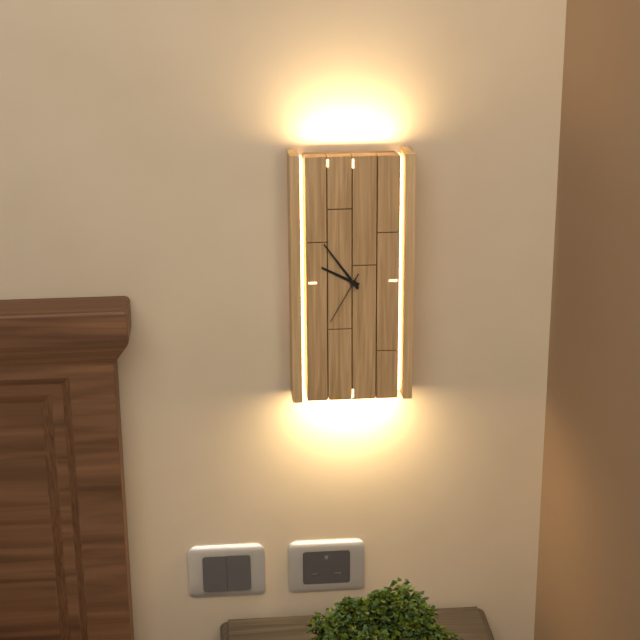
9:54:35
